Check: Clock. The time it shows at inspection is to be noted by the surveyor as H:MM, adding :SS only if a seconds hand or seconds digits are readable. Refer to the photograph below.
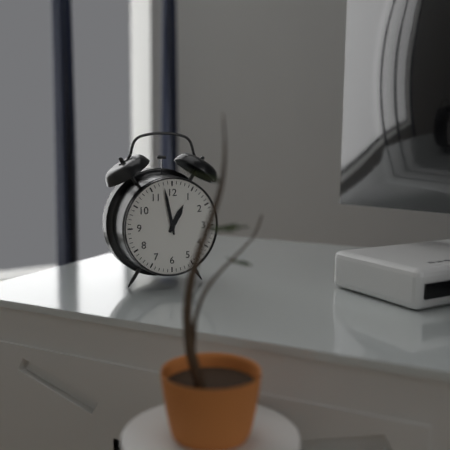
12:58
